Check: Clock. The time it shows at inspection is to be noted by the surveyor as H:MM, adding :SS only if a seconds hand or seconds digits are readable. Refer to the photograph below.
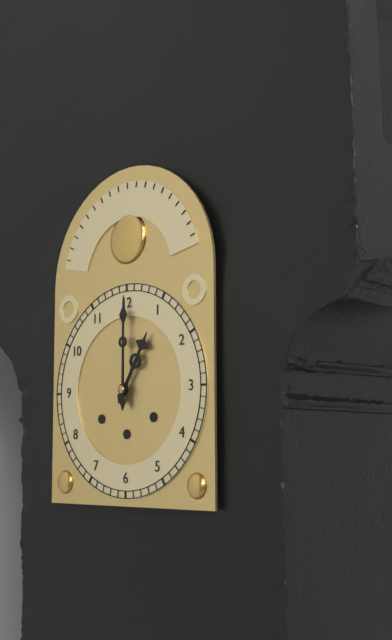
1:00
